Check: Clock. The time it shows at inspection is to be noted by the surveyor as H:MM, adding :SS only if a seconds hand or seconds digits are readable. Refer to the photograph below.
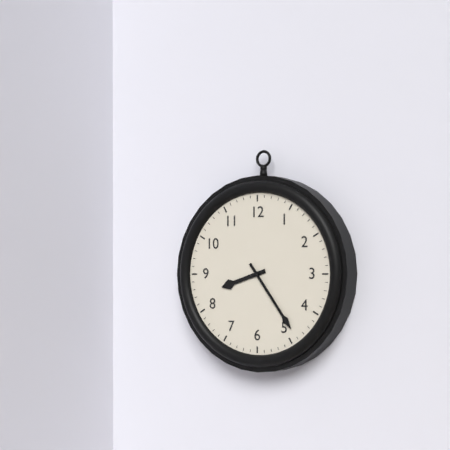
8:24
